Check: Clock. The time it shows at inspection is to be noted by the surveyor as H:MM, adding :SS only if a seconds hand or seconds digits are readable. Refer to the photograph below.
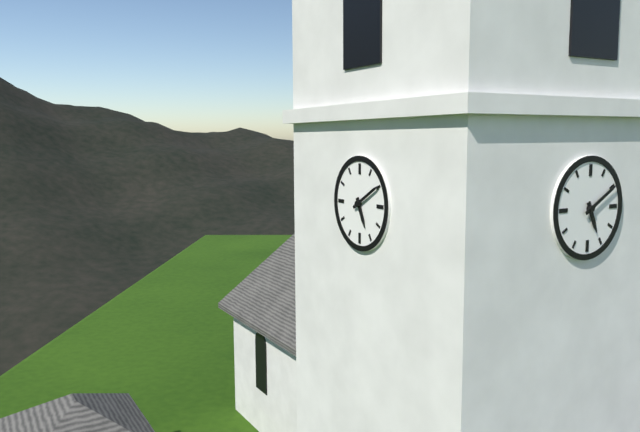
5:10
